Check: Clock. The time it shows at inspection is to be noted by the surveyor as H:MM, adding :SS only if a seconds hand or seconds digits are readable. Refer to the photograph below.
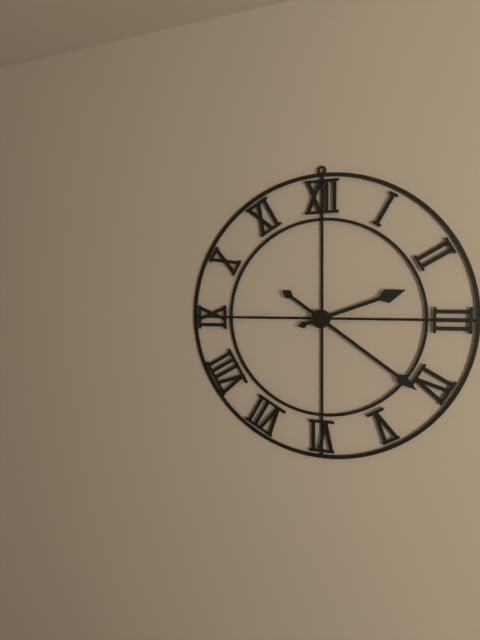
2:21
